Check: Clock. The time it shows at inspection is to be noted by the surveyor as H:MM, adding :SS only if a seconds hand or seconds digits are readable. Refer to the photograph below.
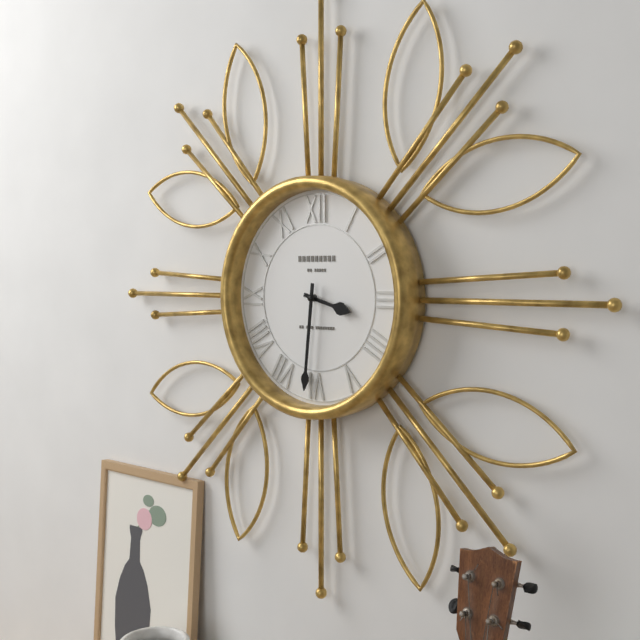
3:31
